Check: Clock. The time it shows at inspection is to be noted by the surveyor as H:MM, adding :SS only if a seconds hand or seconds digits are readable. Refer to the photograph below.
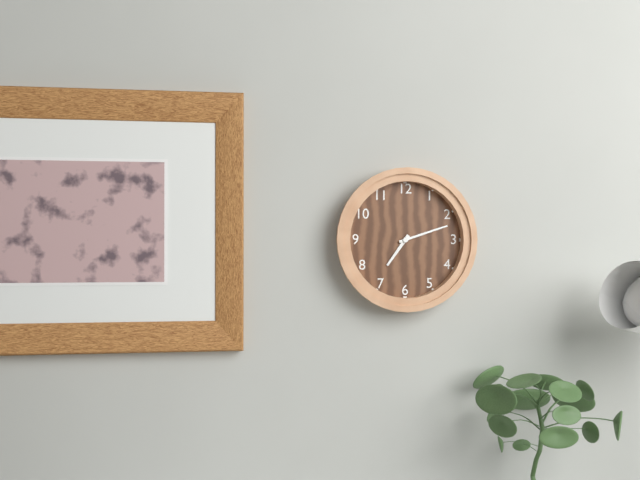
7:12
